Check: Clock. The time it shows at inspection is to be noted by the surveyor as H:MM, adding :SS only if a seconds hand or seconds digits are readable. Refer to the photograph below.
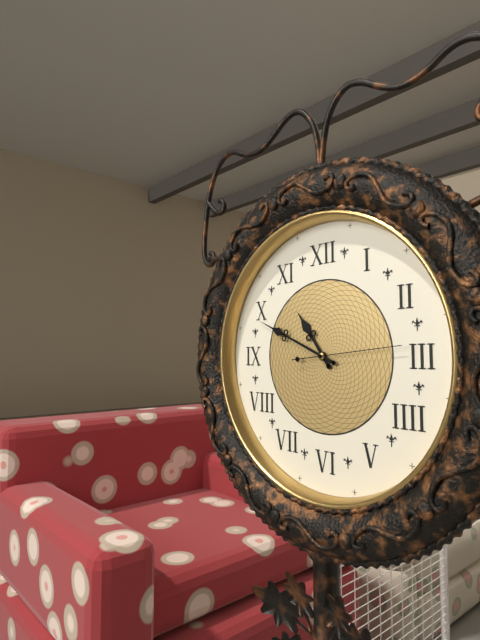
10:49:14
